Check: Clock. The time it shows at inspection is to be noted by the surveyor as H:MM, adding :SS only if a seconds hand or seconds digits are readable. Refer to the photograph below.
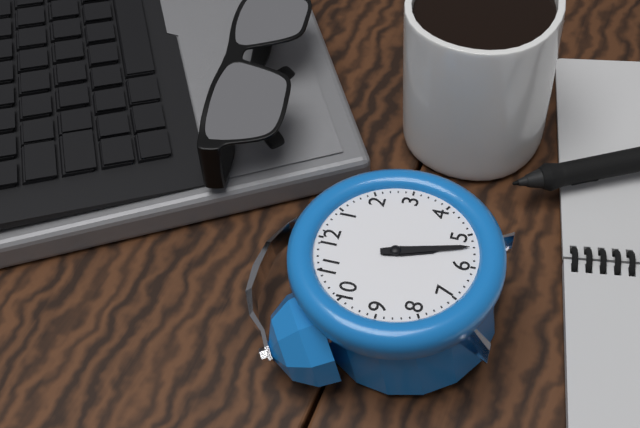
5:27
